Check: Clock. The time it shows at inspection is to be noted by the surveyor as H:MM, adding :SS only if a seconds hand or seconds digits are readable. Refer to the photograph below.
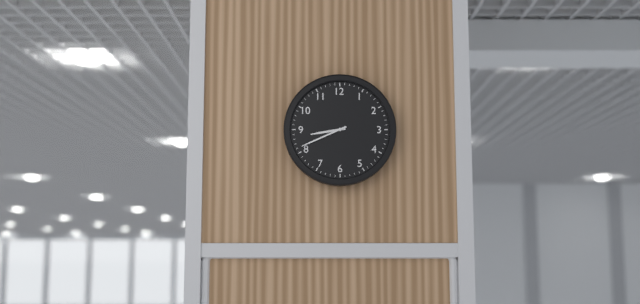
8:41
